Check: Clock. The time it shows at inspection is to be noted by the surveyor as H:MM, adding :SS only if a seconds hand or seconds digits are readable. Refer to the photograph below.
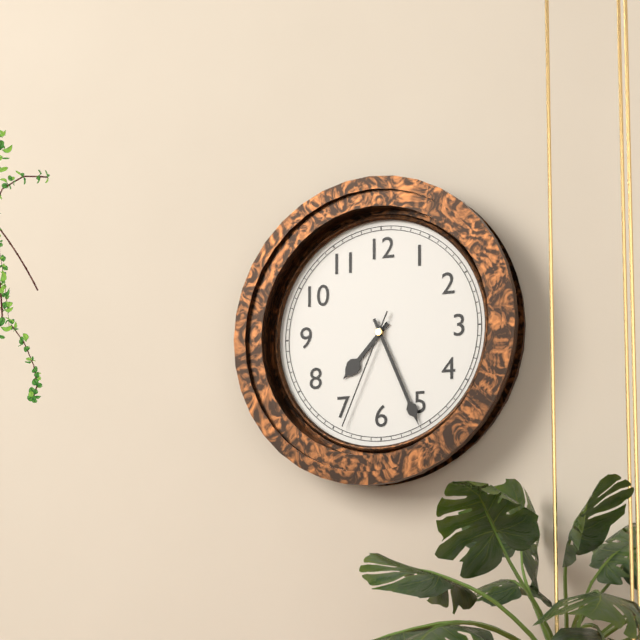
7:26:34
